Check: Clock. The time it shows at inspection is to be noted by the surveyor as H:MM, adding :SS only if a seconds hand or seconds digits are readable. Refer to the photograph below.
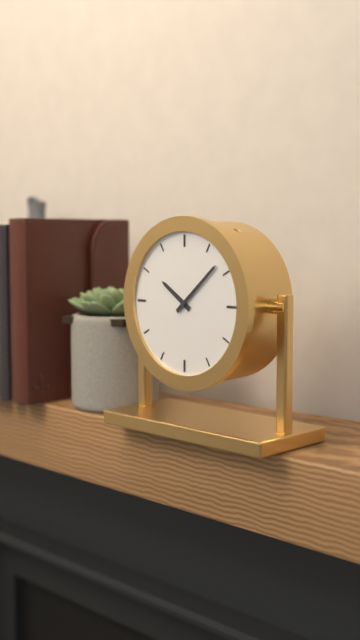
10:08
